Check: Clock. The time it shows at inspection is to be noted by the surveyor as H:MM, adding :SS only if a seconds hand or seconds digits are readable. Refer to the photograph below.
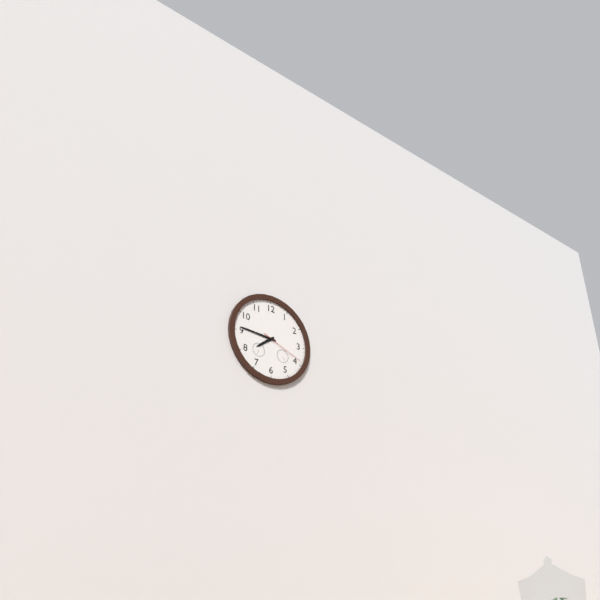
7:46
